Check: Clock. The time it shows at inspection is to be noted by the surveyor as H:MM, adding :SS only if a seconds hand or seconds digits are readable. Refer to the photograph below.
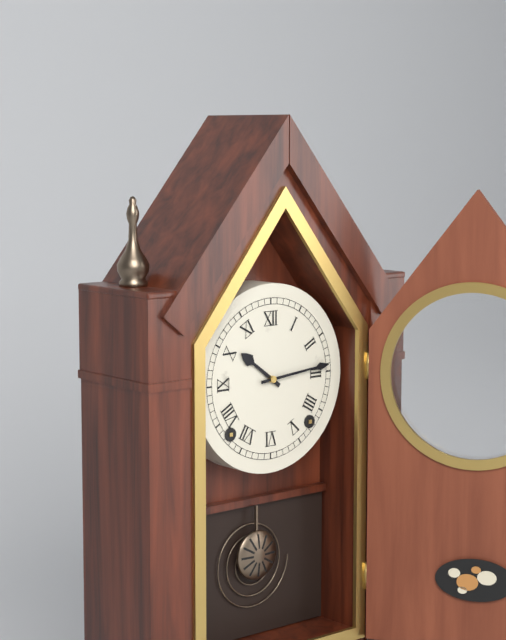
10:14
